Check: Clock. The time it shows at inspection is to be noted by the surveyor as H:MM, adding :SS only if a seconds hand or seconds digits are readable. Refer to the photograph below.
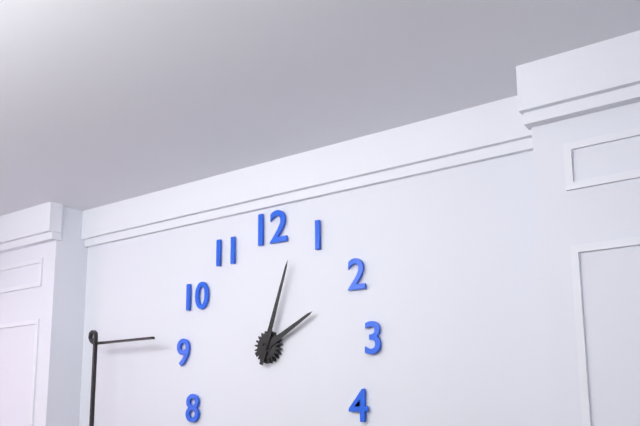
2:03
